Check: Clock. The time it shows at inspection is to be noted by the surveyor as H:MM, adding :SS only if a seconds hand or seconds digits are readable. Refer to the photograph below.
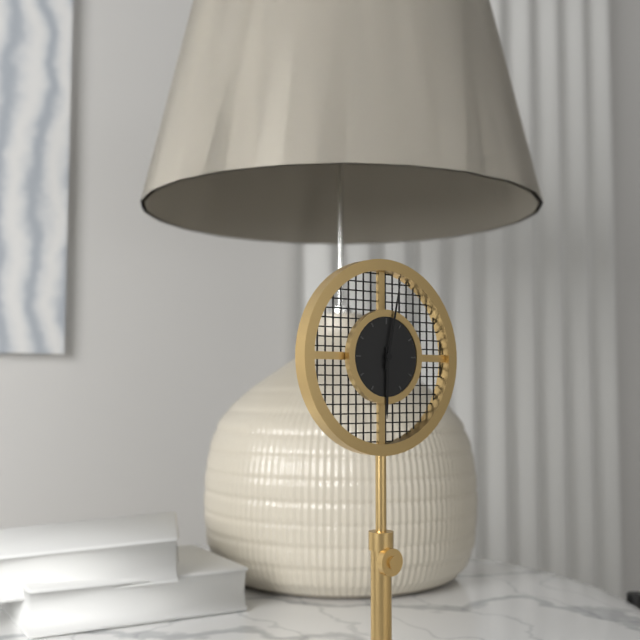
6:02
